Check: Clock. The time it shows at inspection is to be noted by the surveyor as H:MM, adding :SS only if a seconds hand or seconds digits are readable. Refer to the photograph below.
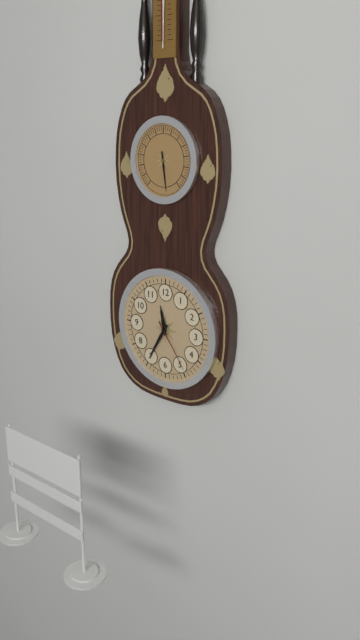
11:35:24
